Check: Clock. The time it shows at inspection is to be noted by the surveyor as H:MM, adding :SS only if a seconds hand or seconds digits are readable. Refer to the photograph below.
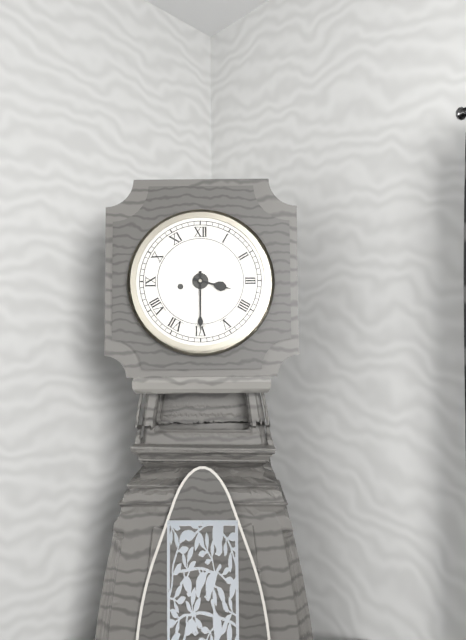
3:30
